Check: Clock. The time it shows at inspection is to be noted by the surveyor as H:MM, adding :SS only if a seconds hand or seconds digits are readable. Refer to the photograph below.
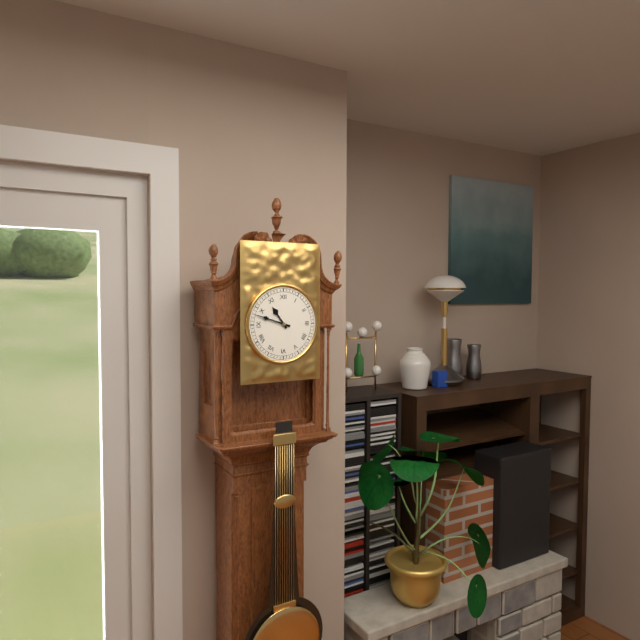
10:48
